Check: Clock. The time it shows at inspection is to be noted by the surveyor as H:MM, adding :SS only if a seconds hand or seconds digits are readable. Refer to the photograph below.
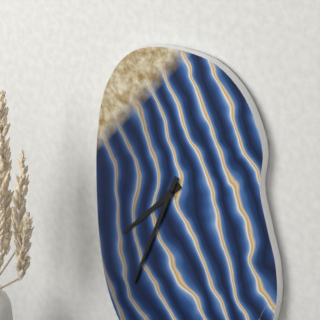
7:34
